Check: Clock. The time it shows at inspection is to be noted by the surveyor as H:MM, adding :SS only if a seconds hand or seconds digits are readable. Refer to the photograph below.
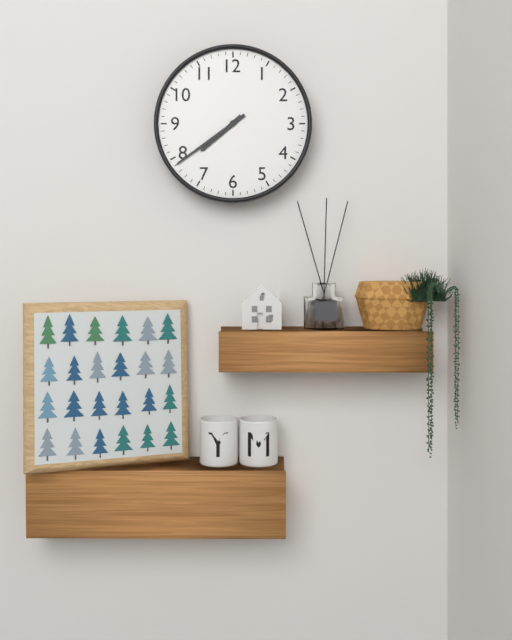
7:39
